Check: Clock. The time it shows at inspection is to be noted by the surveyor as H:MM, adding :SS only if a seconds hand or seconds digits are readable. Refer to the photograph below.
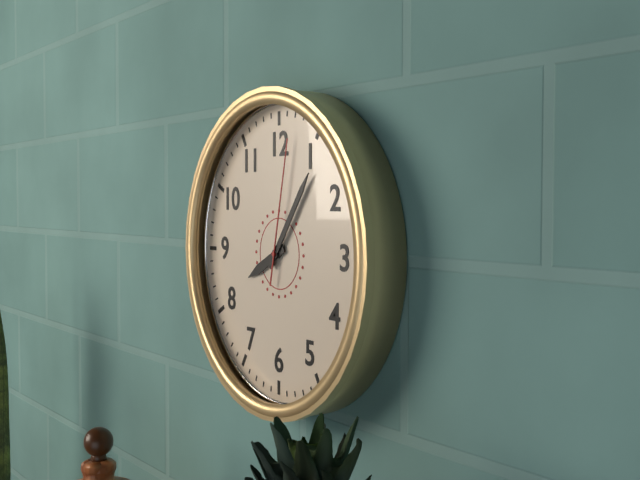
8:06:02
